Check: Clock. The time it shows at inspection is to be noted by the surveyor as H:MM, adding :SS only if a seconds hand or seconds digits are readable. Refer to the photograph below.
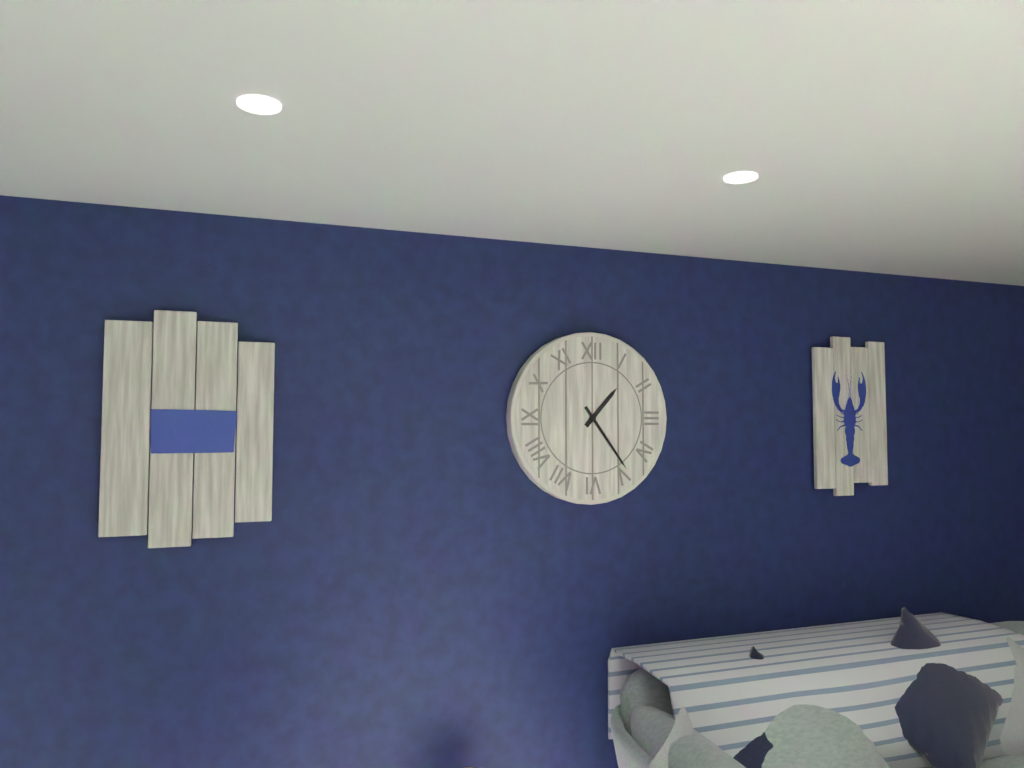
1:24
